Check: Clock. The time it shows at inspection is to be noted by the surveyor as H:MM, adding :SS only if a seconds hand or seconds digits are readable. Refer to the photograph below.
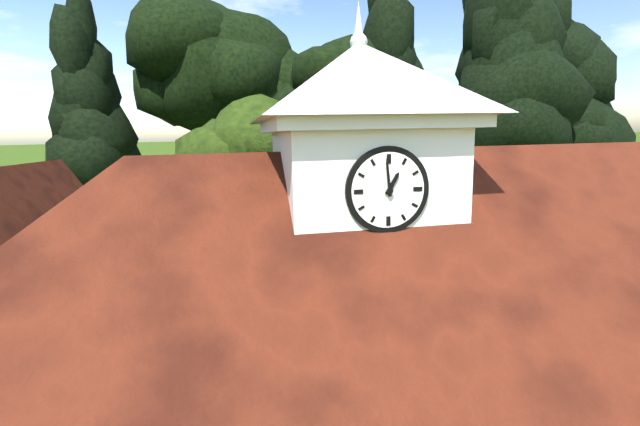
12:59
